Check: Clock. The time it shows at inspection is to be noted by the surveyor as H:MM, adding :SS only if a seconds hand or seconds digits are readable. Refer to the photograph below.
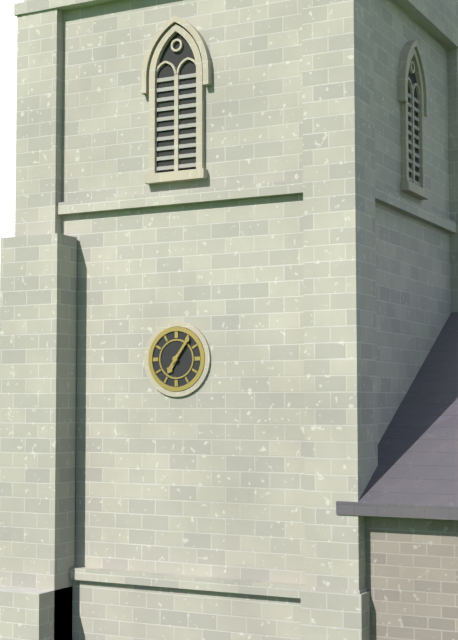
7:06
